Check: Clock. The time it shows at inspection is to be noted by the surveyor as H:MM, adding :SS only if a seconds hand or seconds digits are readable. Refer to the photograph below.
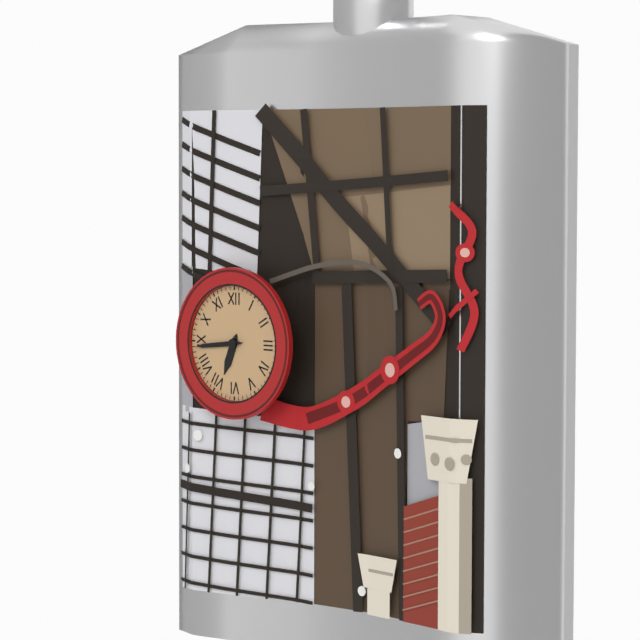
6:44
